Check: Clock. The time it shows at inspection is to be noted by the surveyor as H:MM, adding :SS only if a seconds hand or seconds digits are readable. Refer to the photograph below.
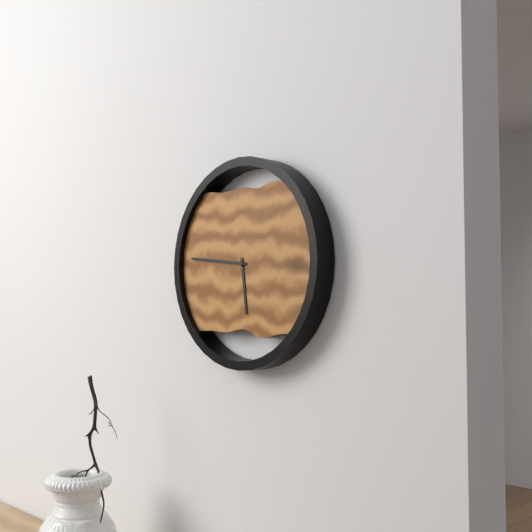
5:46
